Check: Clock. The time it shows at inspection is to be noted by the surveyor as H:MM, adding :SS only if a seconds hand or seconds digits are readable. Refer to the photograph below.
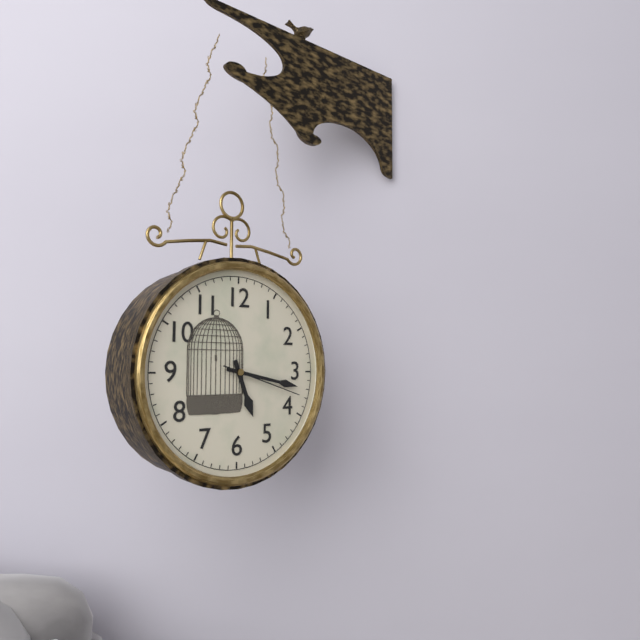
5:17:18
